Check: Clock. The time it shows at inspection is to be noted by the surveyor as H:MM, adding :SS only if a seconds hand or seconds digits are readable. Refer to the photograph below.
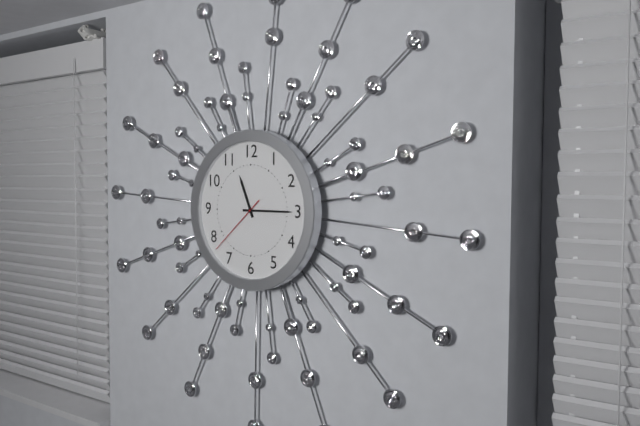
11:15:38
